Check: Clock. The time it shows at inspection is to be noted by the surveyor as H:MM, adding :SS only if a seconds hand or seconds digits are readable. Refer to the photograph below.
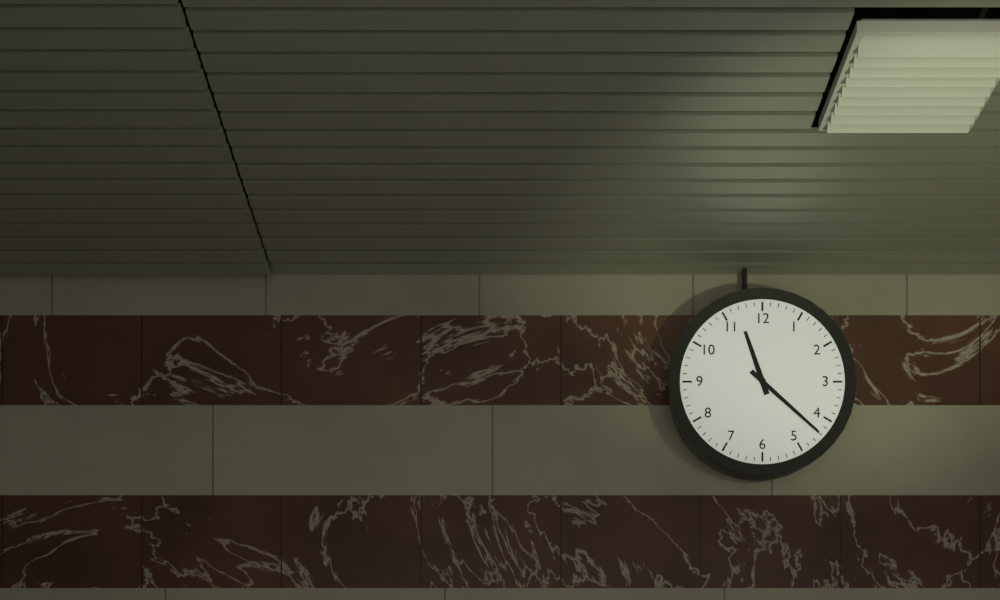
11:22
